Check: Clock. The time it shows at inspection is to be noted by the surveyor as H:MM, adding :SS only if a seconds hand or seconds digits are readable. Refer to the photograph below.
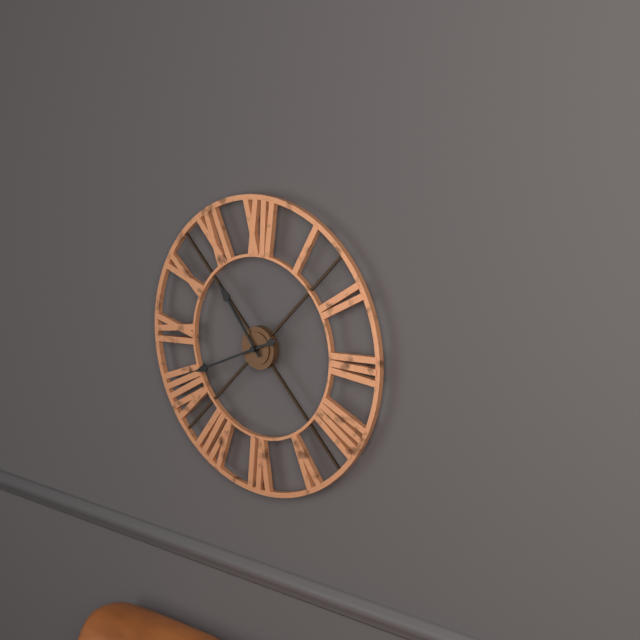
10:41
